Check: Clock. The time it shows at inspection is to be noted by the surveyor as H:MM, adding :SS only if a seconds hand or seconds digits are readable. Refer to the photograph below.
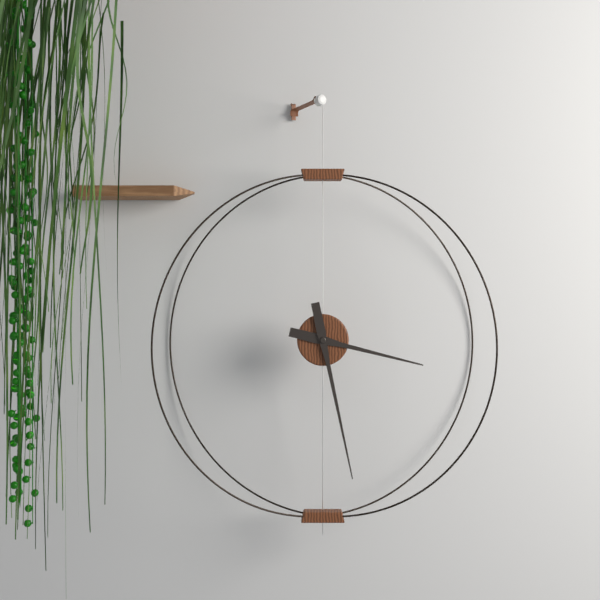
3:28
